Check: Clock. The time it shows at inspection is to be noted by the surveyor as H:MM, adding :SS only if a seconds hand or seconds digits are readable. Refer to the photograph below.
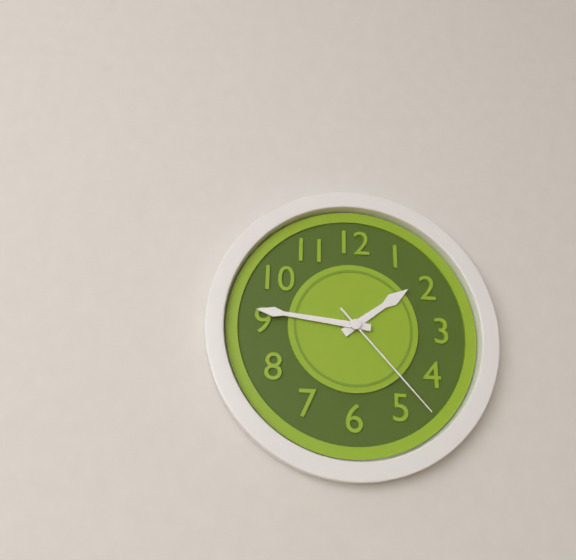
1:46:23
